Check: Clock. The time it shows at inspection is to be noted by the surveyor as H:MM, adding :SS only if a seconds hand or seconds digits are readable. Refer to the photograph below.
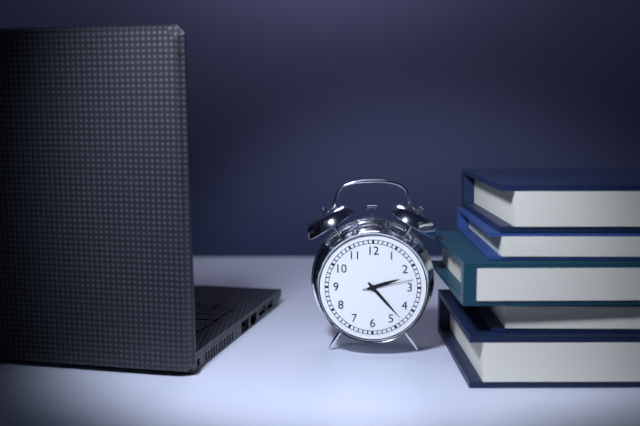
2:23:13
